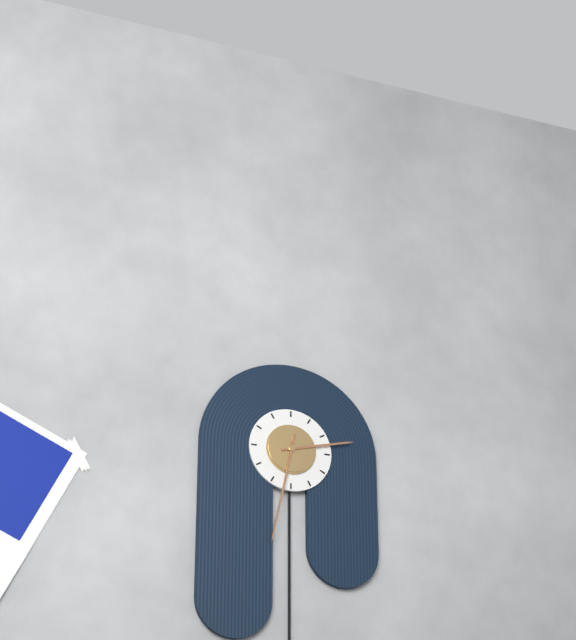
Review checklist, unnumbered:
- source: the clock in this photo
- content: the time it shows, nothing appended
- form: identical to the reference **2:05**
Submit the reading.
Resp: **2:32**
